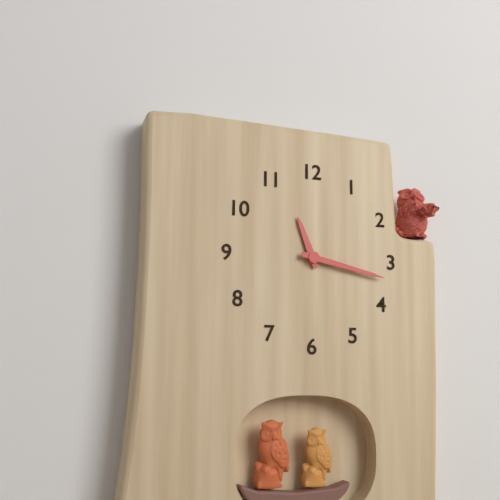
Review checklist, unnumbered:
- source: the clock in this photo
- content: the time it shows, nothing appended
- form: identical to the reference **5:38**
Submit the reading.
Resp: **11:17**
